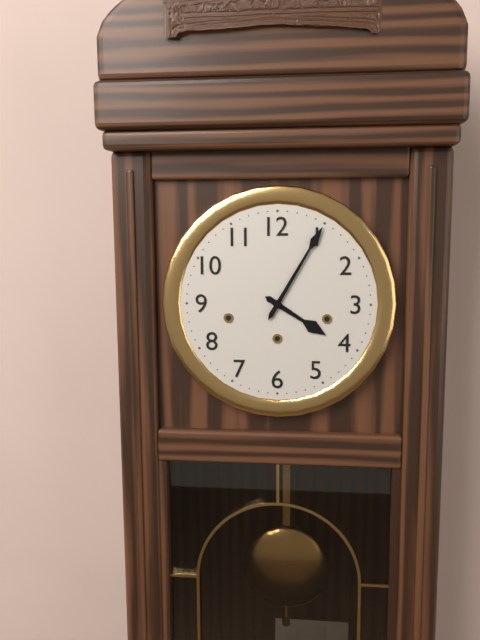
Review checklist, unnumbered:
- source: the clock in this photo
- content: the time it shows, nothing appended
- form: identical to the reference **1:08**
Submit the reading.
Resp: **4:05**
